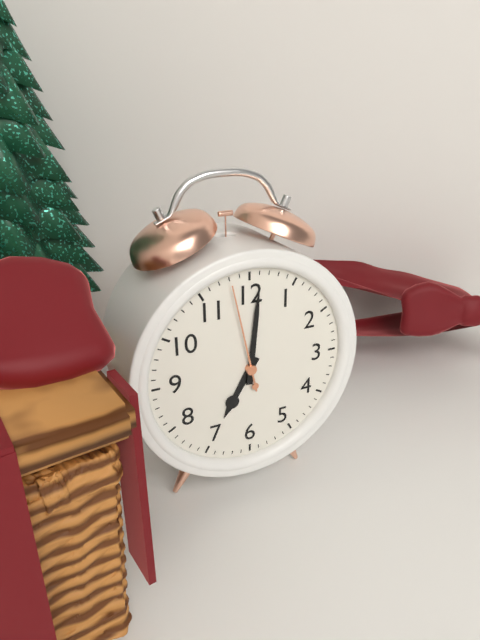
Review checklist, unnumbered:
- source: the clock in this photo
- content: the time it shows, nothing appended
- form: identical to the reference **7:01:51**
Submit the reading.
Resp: **7:01:58**
